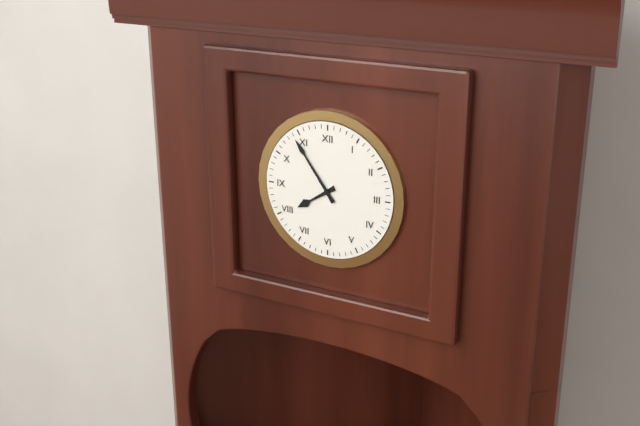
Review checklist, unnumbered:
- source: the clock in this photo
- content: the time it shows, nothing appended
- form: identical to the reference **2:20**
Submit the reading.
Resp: **7:54**
